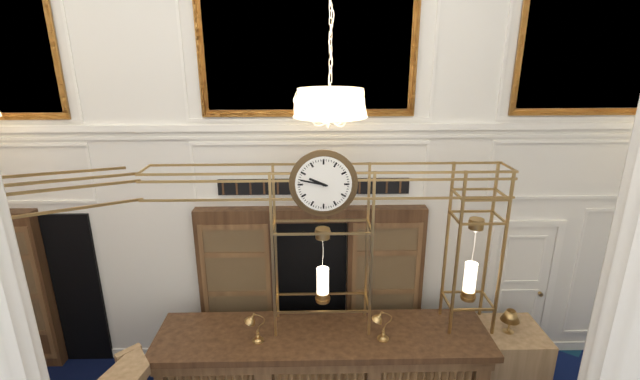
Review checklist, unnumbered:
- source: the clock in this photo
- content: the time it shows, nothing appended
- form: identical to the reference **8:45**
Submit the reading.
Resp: **9:47**
